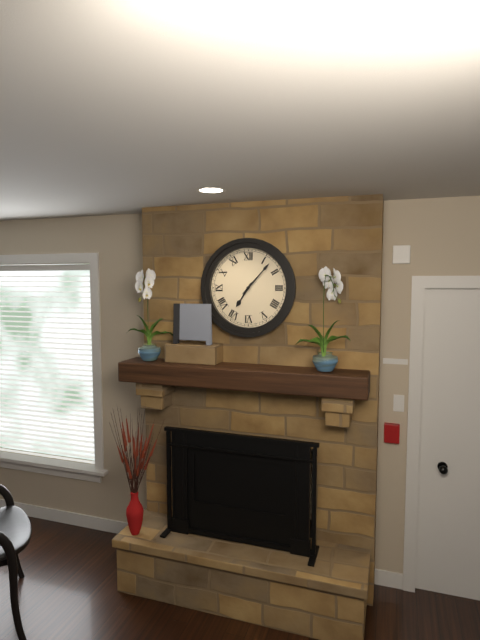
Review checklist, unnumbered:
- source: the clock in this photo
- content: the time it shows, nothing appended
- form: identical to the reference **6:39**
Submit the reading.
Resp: **7:07**
